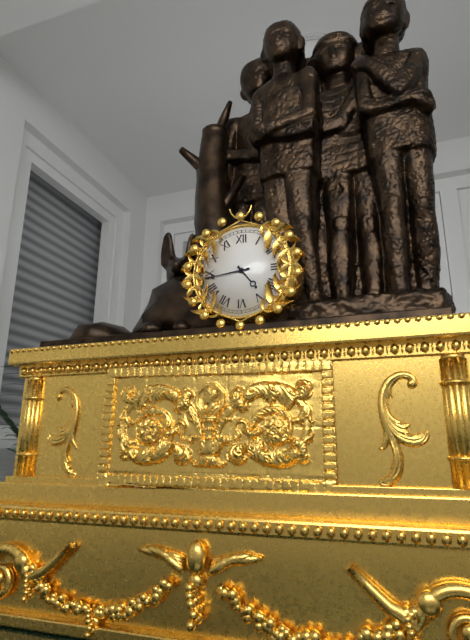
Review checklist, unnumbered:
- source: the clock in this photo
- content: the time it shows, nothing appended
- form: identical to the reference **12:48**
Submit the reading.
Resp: **4:44**
